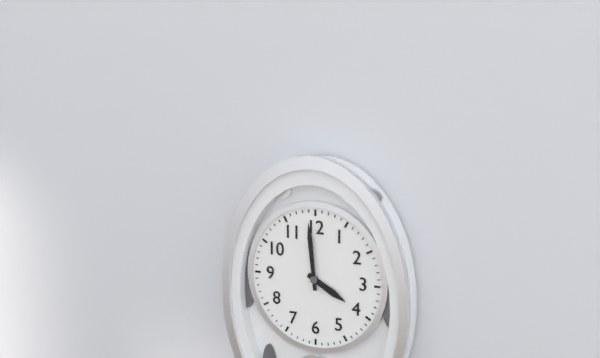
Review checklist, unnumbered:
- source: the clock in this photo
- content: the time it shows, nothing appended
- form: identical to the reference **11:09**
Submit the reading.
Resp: **3:59**
